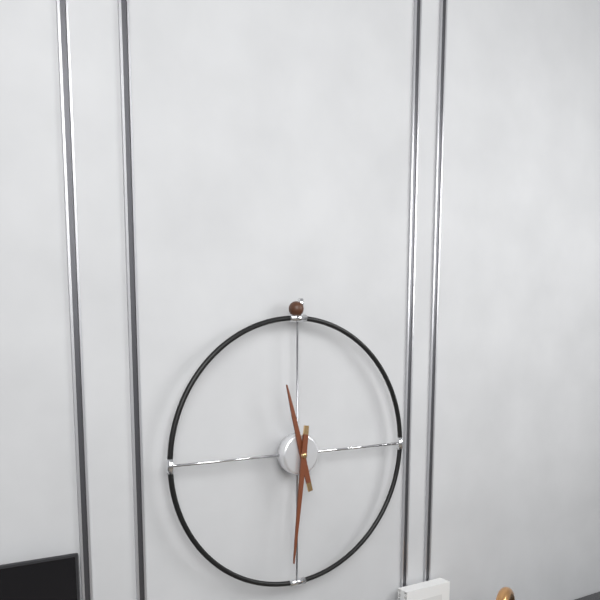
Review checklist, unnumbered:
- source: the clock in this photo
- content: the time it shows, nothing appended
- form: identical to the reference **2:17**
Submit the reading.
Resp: **11:31**
